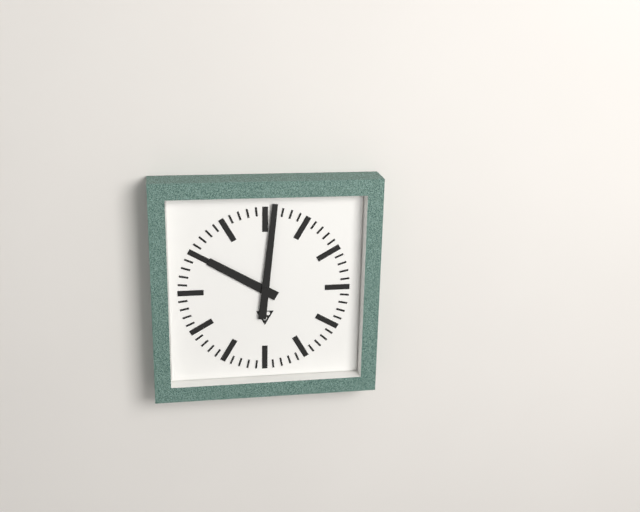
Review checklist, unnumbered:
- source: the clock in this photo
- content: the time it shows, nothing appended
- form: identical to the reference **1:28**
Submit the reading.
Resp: **10:01**
